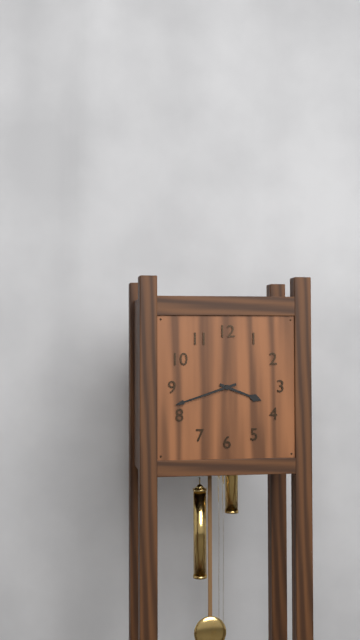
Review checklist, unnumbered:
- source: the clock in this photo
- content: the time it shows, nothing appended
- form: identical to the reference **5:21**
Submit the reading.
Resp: **3:42**
